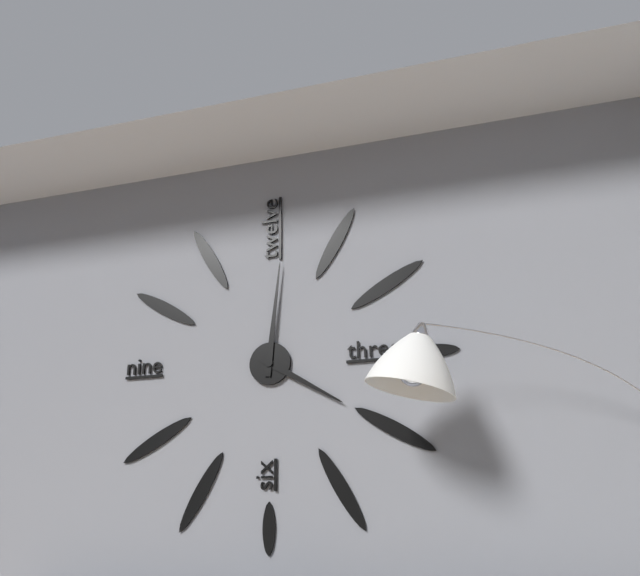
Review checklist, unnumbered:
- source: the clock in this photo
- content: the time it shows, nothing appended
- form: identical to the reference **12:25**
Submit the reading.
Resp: **4:01**
